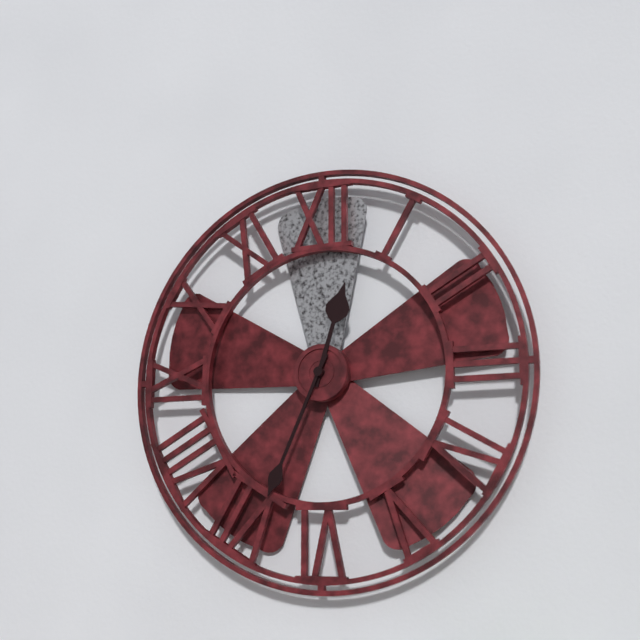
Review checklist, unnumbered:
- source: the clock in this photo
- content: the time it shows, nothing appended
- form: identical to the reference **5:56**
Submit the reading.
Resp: **12:34**
